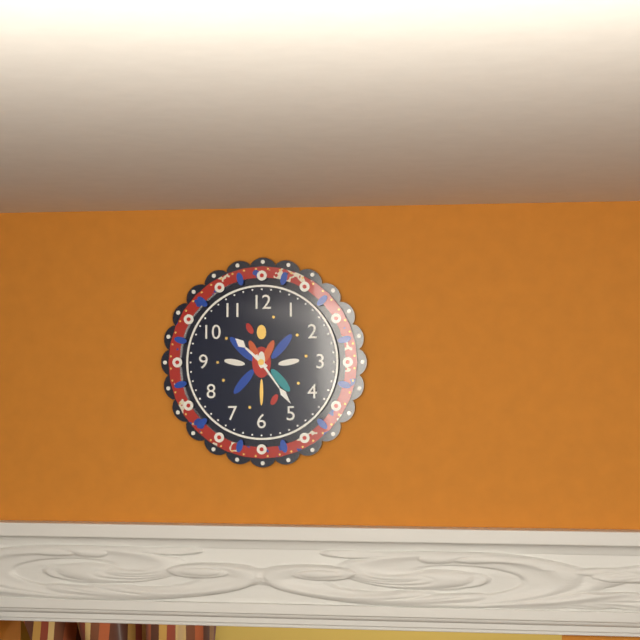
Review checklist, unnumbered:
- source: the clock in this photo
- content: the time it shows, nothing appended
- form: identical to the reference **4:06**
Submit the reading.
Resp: **10:24**
